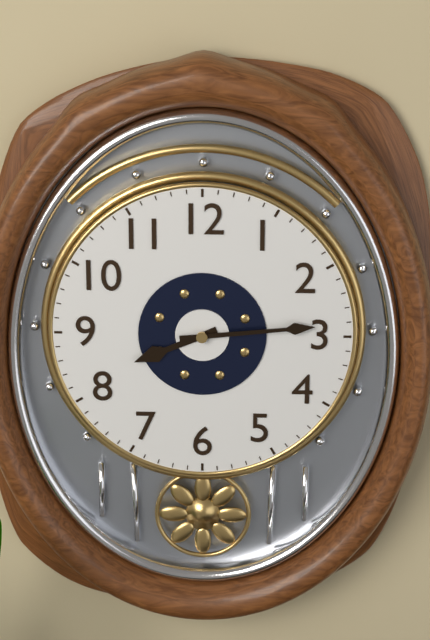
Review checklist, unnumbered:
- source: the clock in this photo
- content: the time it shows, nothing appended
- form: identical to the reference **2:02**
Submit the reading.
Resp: **8:14**
